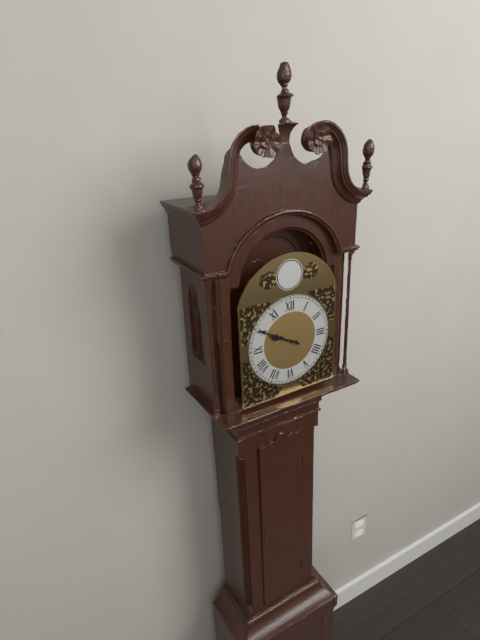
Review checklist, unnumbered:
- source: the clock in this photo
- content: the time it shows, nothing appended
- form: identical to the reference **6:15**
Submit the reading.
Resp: **9:50**
